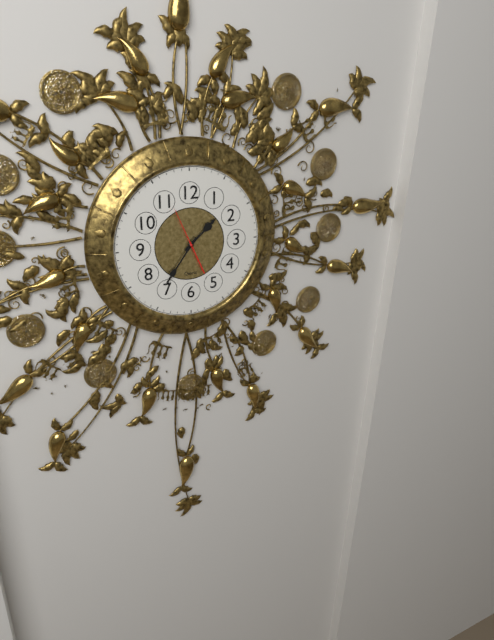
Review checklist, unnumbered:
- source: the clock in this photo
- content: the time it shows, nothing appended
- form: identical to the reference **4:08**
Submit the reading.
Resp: **1:36**
